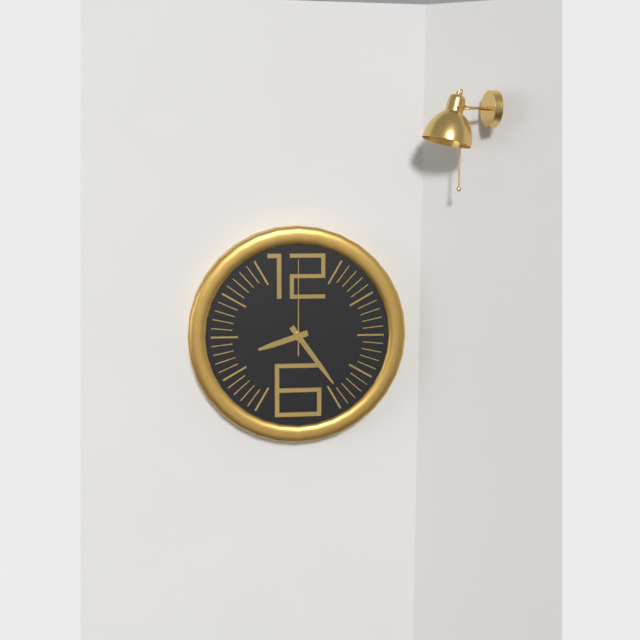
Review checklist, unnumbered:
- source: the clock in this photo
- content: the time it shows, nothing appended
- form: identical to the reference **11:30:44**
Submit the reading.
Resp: **8:24:00**
